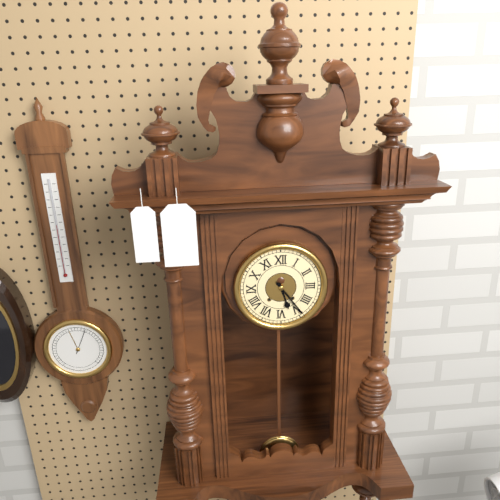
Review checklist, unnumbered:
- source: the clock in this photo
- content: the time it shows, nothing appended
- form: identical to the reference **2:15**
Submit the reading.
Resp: **5:24**
